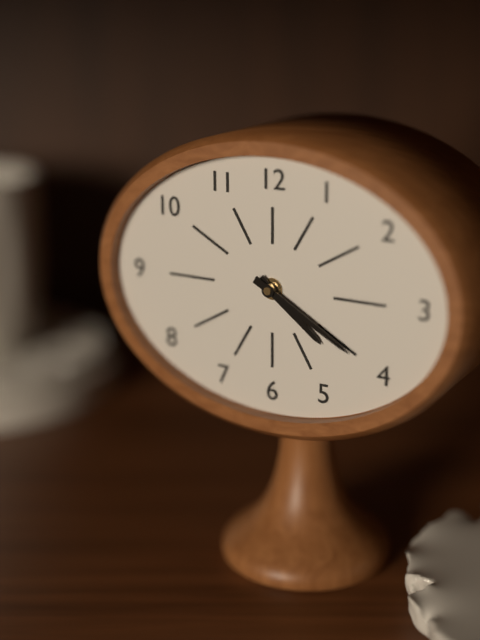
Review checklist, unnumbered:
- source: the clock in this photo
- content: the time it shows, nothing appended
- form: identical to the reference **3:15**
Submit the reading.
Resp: **4:20**
